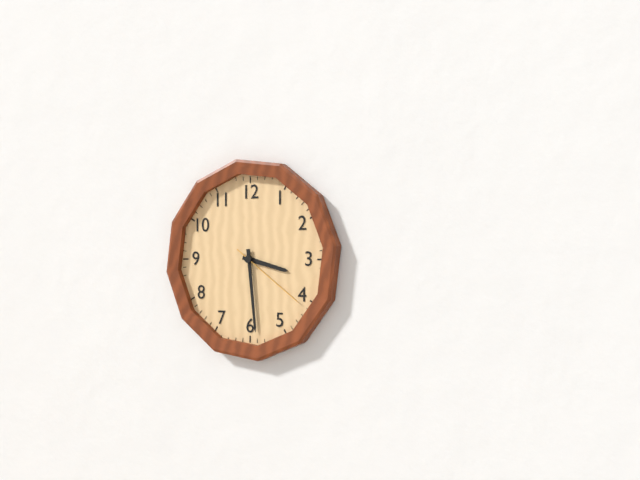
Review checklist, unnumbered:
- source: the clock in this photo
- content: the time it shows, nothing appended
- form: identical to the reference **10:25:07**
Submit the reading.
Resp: **3:29:21**
